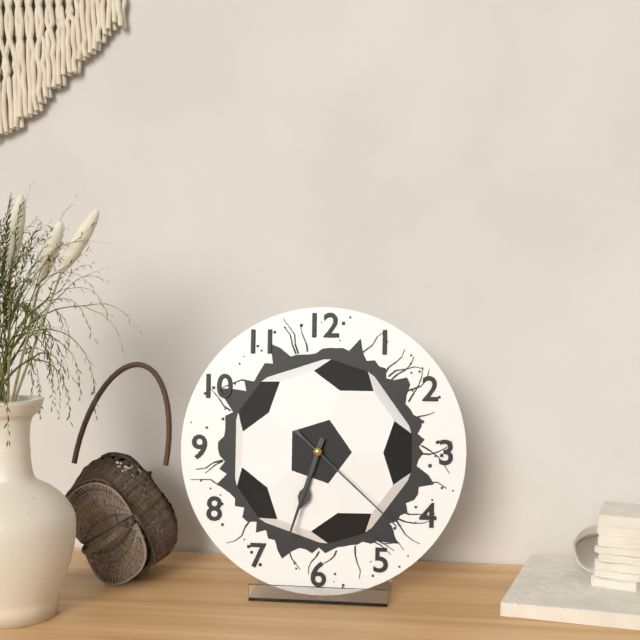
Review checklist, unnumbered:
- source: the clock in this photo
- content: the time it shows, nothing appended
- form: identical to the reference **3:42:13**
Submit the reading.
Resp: **6:33:22**
